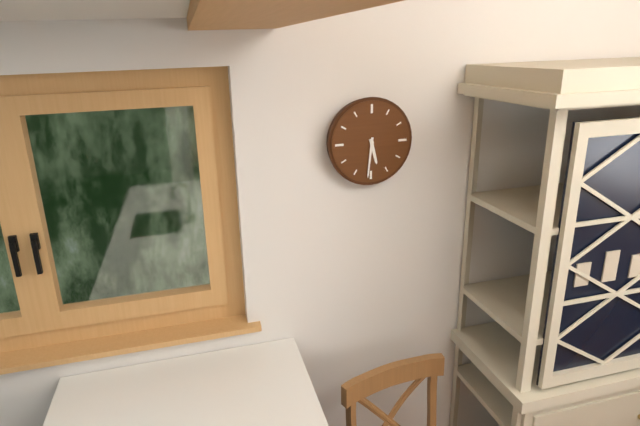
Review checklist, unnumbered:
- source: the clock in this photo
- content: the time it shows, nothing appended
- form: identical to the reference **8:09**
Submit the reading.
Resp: **5:31**
